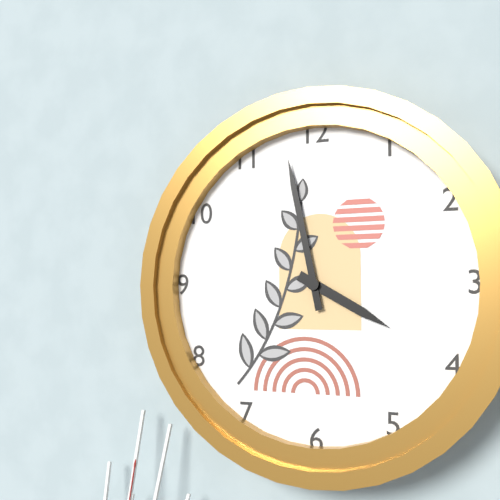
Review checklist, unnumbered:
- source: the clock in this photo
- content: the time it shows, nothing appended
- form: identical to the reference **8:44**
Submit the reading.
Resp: **3:58**
